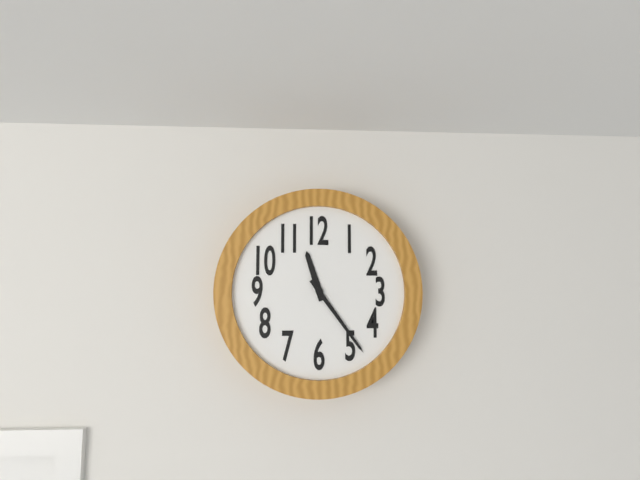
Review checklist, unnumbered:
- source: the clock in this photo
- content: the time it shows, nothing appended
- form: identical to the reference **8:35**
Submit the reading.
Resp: **11:24**
